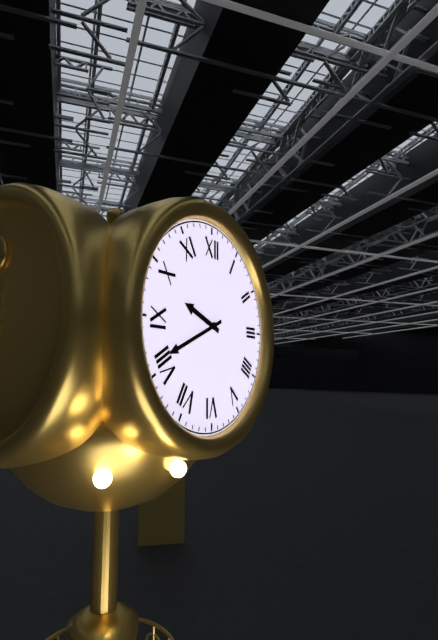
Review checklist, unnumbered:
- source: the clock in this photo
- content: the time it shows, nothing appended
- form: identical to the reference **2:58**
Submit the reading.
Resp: **9:41**
